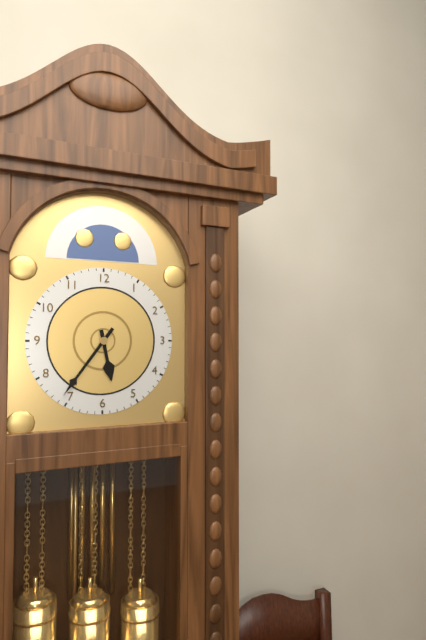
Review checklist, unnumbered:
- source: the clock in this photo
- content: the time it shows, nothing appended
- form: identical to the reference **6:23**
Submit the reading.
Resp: **5:36**
